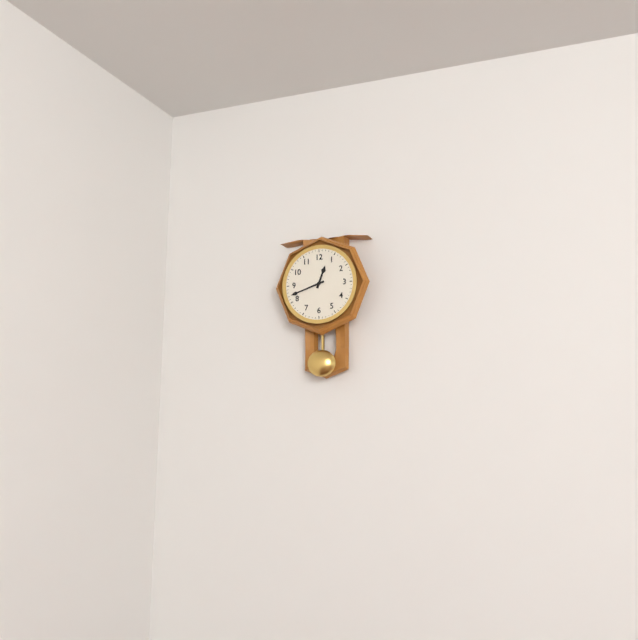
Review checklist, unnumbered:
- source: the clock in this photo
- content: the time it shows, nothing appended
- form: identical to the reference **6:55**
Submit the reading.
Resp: **12:42**
